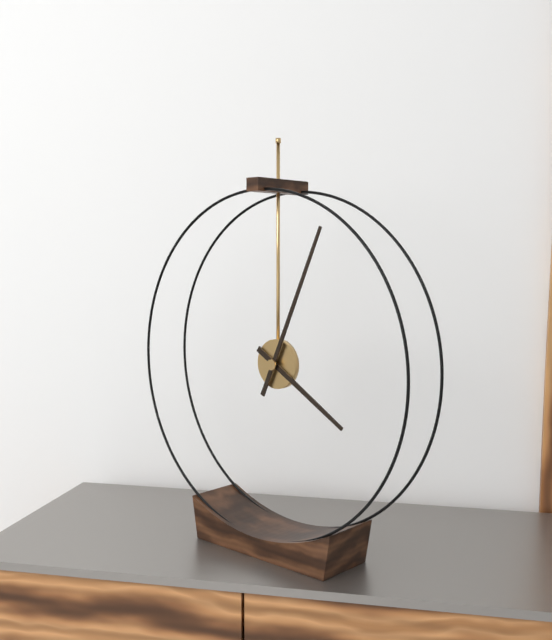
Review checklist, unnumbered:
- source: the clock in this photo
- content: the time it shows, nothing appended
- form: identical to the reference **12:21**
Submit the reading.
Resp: **4:04**
